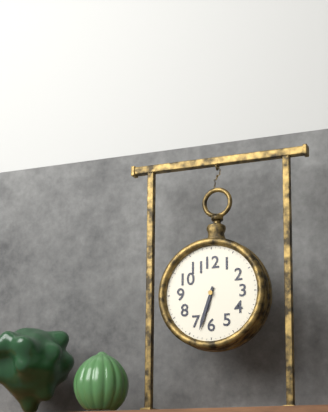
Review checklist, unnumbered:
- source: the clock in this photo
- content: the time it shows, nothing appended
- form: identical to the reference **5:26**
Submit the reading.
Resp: **6:33**
